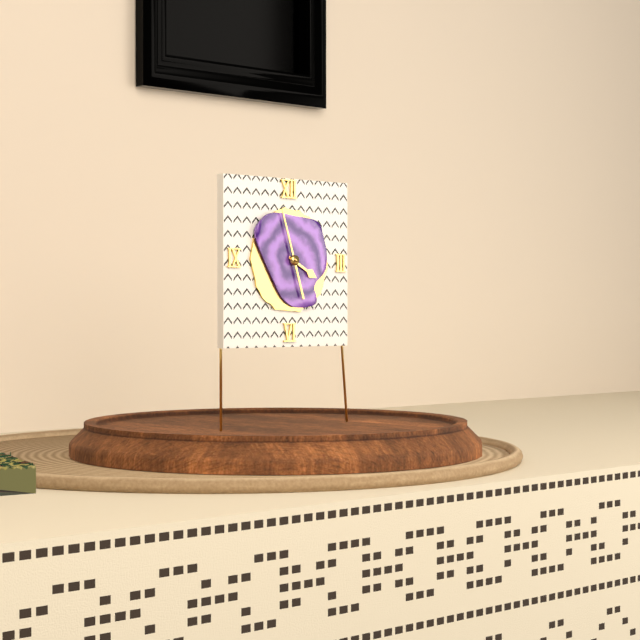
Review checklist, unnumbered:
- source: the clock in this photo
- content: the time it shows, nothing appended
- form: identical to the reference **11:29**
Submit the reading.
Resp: **3:57**
